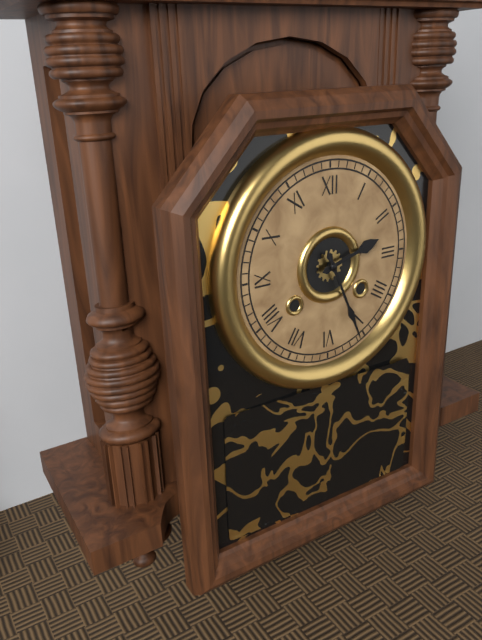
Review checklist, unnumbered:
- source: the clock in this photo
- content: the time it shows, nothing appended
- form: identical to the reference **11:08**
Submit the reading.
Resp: **2:26**
